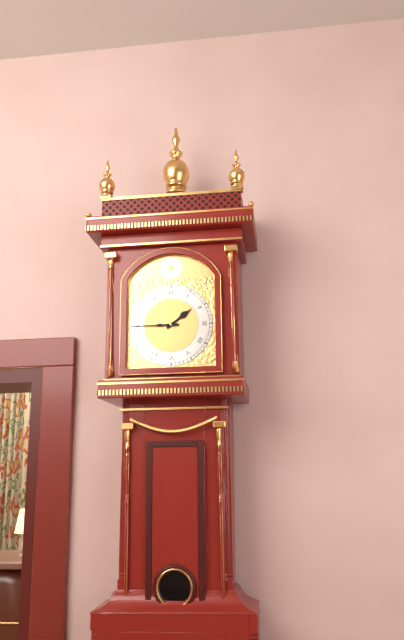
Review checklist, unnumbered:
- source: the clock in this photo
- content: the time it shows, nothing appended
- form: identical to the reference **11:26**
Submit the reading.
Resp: **1:45**
